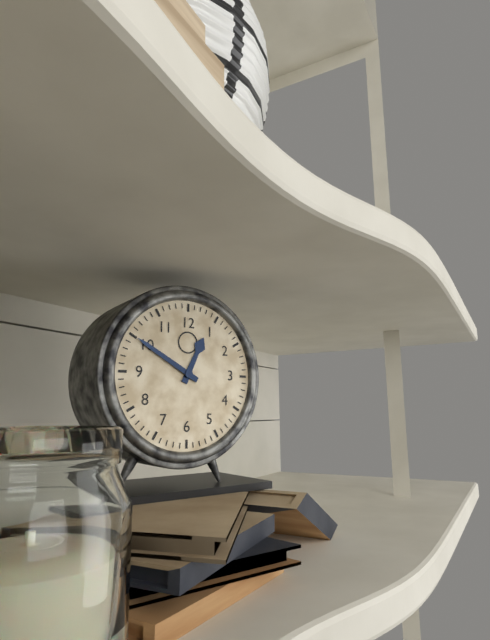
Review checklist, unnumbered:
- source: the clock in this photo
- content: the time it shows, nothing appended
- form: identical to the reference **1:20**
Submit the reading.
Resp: **12:50**
